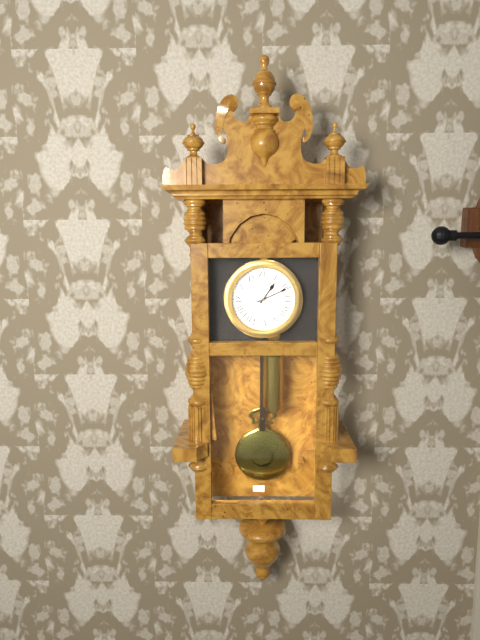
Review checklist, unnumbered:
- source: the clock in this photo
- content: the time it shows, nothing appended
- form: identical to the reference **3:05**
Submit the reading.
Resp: **1:11**
